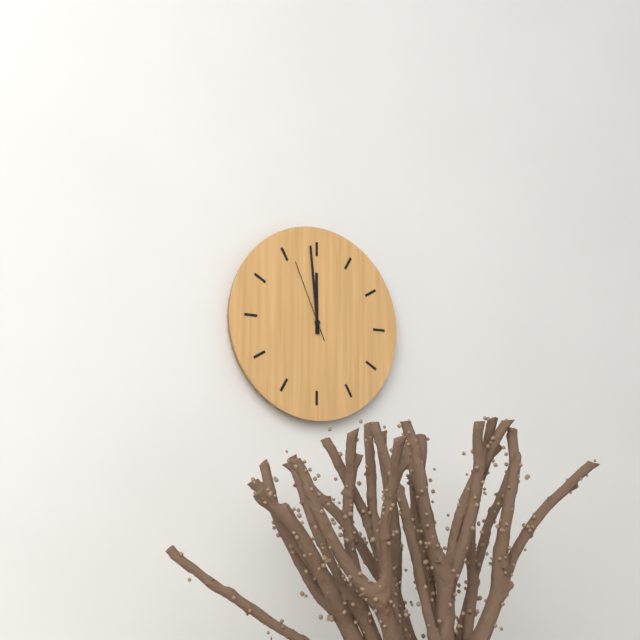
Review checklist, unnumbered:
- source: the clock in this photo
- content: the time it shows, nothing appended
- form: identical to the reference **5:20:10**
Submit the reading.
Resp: **11:59:56**
